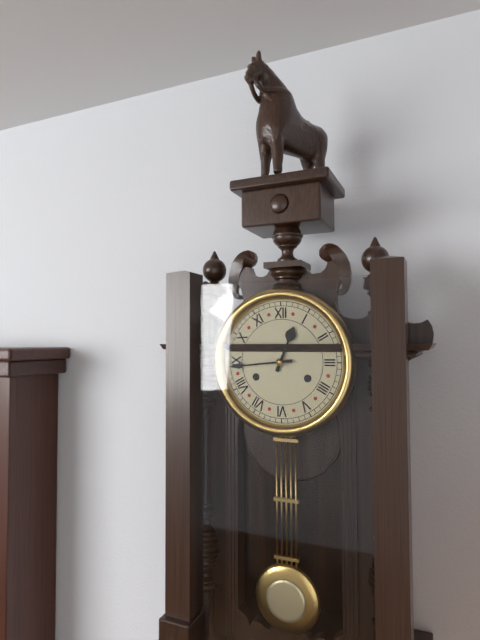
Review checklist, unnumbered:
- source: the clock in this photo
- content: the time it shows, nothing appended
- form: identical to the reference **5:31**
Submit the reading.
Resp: **12:44**
